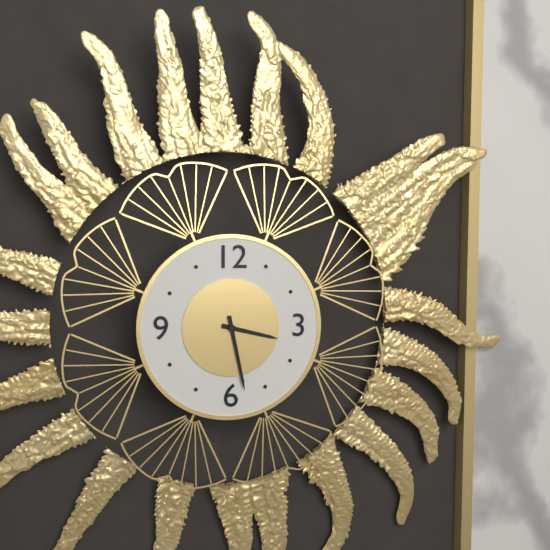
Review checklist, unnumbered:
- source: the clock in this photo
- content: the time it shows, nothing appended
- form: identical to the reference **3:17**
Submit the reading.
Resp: **3:28**
